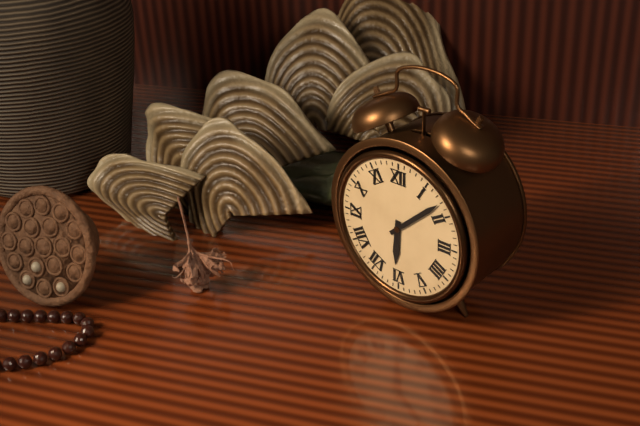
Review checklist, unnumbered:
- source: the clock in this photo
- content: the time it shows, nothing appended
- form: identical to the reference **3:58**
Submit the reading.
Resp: **6:08**
